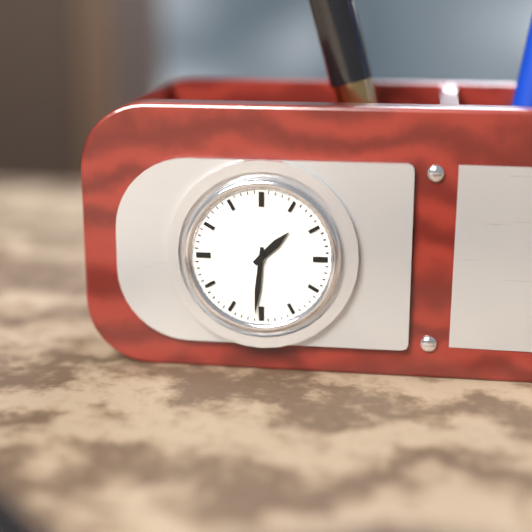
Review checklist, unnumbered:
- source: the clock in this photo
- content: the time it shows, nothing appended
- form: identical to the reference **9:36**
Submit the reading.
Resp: **1:31**
